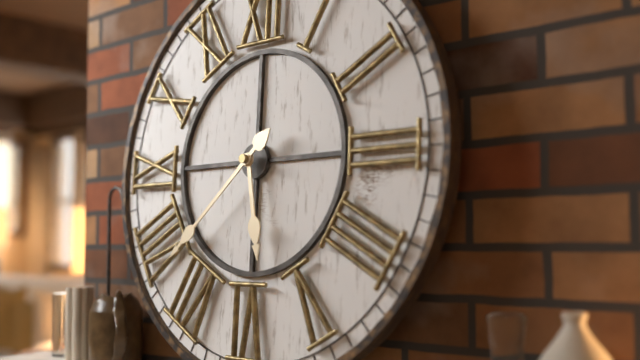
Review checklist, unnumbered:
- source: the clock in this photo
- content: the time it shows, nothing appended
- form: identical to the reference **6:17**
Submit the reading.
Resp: **5:38**
